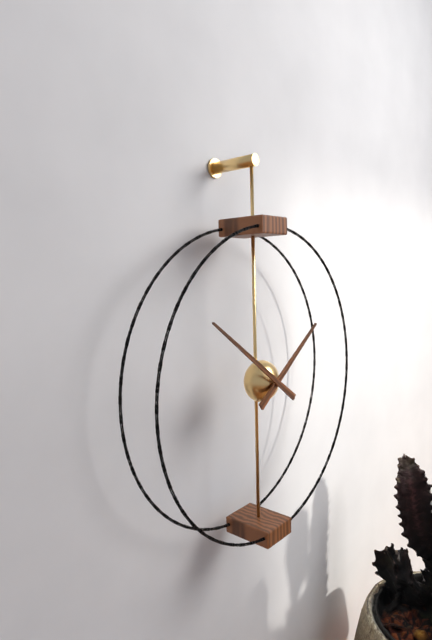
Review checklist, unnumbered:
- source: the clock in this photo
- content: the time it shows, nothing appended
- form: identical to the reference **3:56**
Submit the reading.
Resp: **1:51**
